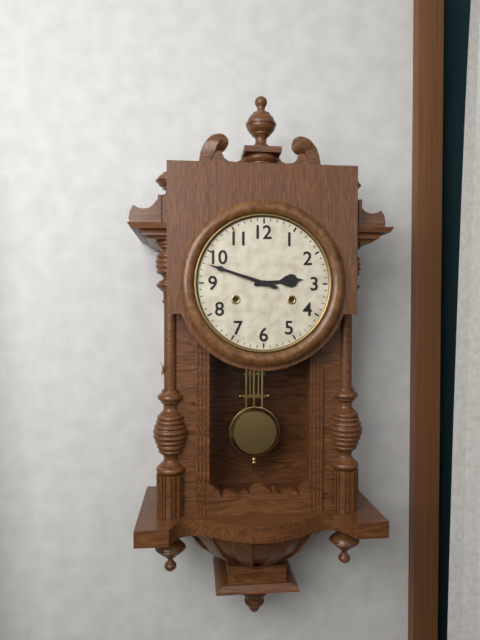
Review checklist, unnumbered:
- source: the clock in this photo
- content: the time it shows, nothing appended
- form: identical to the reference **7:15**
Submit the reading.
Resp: **2:48**
